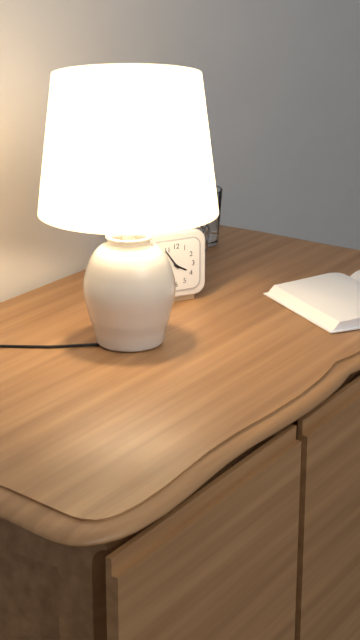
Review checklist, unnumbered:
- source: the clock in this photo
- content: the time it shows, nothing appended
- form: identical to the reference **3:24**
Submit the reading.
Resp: **3:54**
